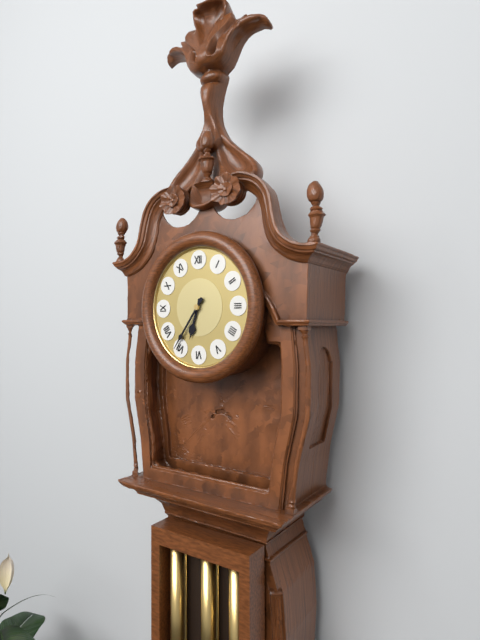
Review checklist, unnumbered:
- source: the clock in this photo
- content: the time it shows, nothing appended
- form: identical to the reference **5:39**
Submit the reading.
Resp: **6:36**
